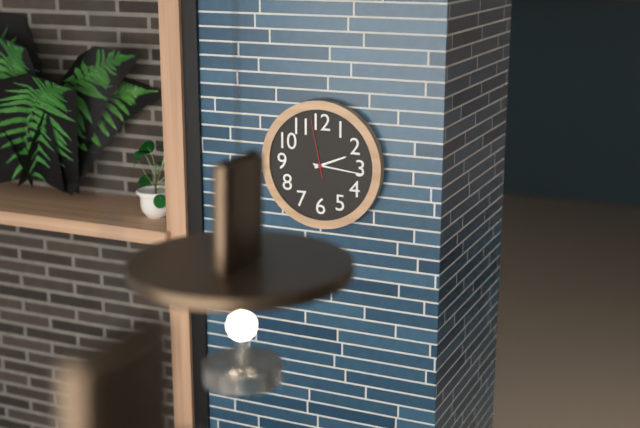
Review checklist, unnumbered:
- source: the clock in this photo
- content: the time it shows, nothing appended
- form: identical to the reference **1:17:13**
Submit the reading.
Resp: **2:16:58**
